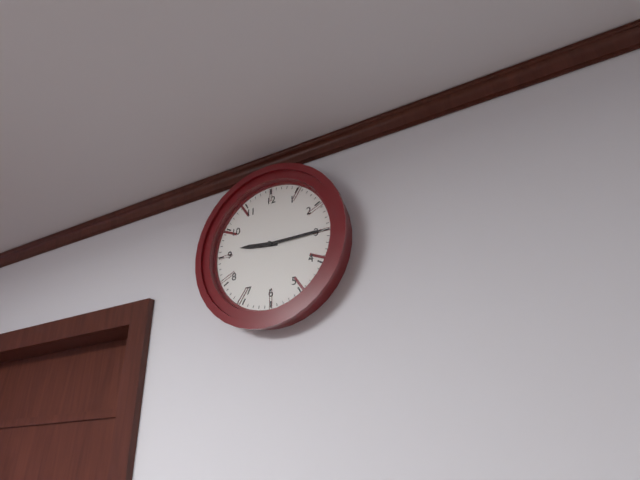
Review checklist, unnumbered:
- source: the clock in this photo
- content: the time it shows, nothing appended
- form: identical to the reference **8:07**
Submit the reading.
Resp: **9:15**
